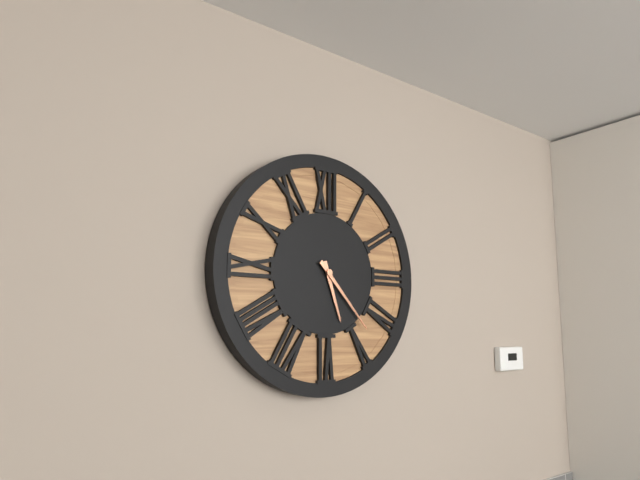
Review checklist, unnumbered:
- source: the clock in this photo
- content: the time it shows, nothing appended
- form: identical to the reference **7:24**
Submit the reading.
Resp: **5:23**
